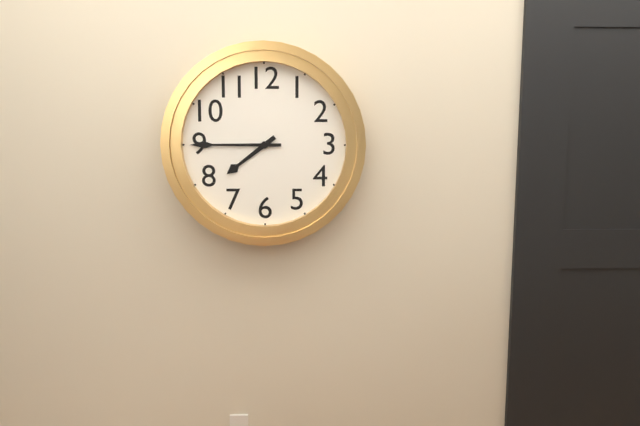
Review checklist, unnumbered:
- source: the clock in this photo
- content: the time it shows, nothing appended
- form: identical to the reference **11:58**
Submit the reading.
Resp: **7:45**
